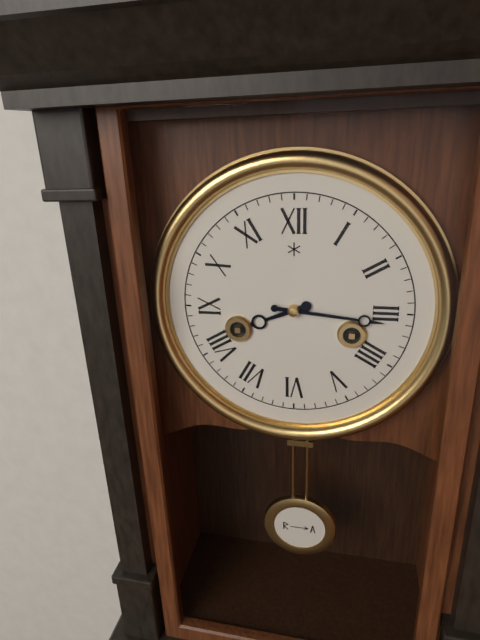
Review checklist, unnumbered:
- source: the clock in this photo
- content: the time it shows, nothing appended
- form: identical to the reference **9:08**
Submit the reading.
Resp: **8:16**
